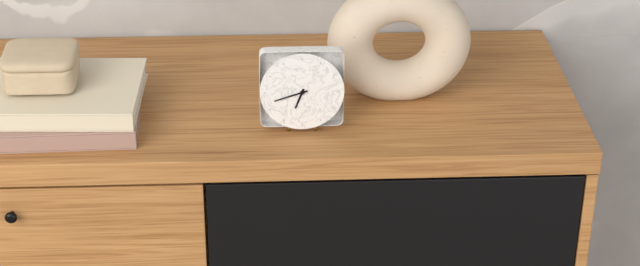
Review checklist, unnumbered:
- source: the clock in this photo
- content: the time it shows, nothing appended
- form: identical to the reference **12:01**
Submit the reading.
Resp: **6:42**
